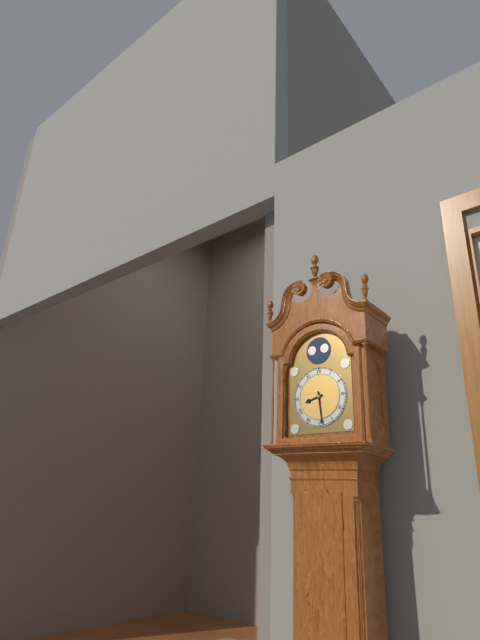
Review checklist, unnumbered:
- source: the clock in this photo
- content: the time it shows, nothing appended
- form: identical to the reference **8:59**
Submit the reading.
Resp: **8:29**
